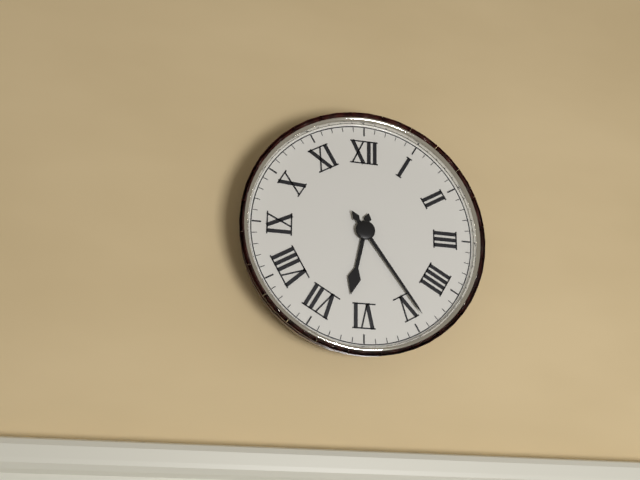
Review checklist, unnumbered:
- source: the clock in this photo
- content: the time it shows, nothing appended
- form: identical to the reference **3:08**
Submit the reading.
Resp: **6:24**
